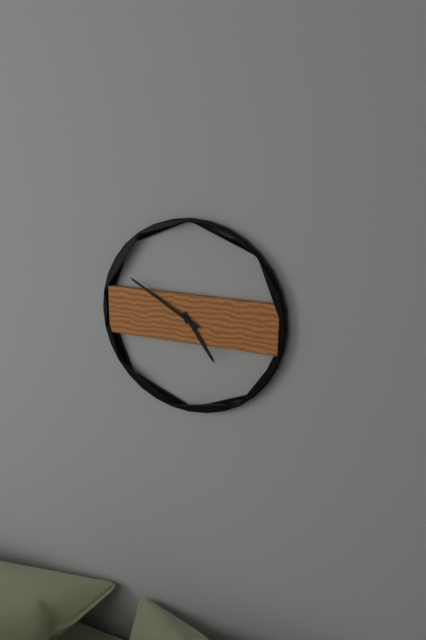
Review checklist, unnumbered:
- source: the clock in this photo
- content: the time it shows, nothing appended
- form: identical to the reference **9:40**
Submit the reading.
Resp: **4:50**
